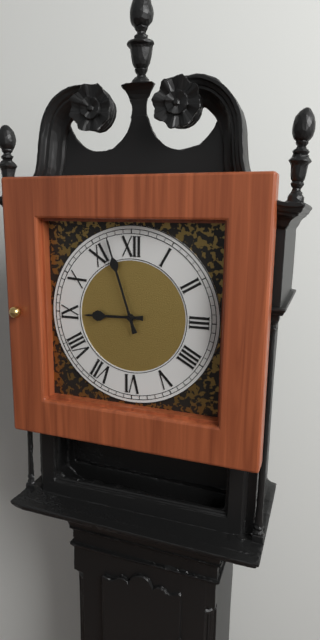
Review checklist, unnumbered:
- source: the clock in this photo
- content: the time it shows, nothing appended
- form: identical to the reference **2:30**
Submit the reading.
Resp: **8:57**
